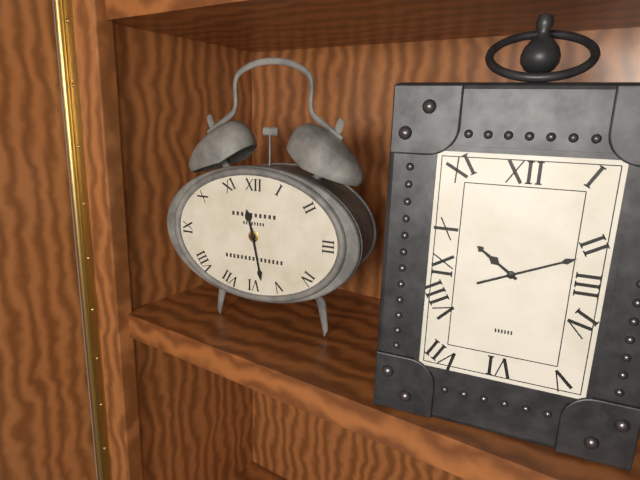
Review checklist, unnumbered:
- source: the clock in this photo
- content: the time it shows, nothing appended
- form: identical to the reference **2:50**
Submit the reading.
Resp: **11:28**
